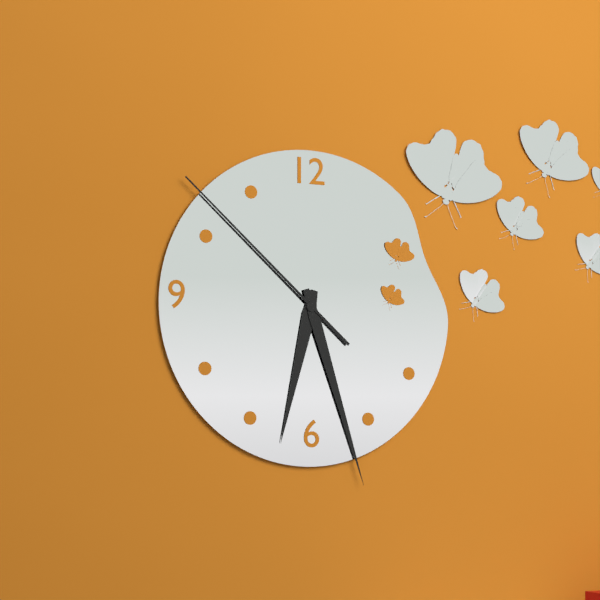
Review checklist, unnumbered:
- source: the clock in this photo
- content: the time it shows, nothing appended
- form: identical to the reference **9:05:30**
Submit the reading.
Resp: **6:27:52**
